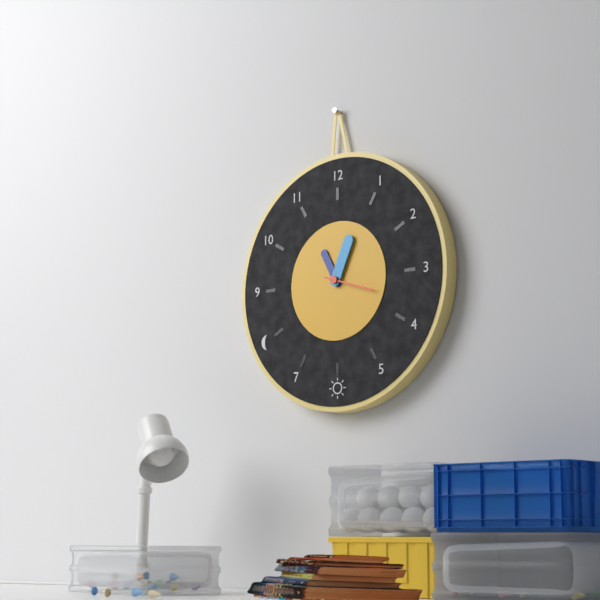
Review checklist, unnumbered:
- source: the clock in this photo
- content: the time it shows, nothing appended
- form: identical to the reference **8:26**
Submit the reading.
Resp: **11:04**
